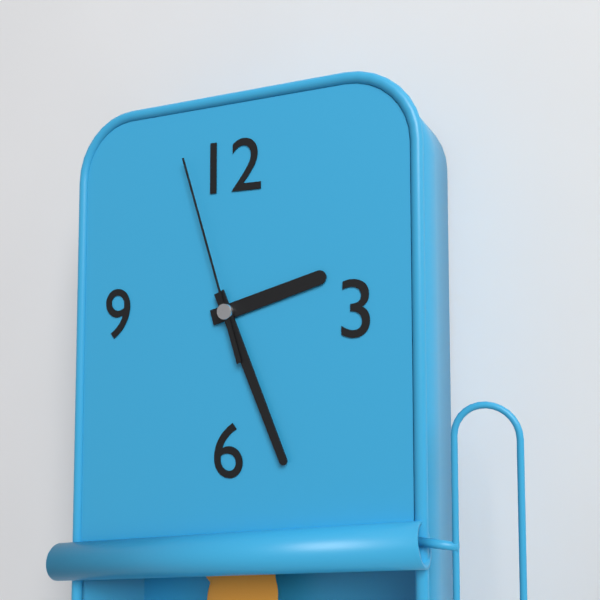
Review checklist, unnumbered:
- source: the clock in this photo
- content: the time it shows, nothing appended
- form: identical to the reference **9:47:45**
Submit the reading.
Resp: **2:26:57**
